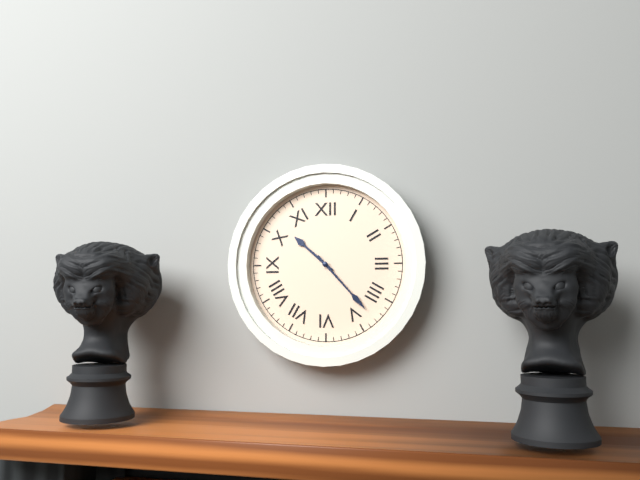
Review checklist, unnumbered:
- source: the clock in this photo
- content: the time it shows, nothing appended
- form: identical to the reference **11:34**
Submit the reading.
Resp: **10:23**
